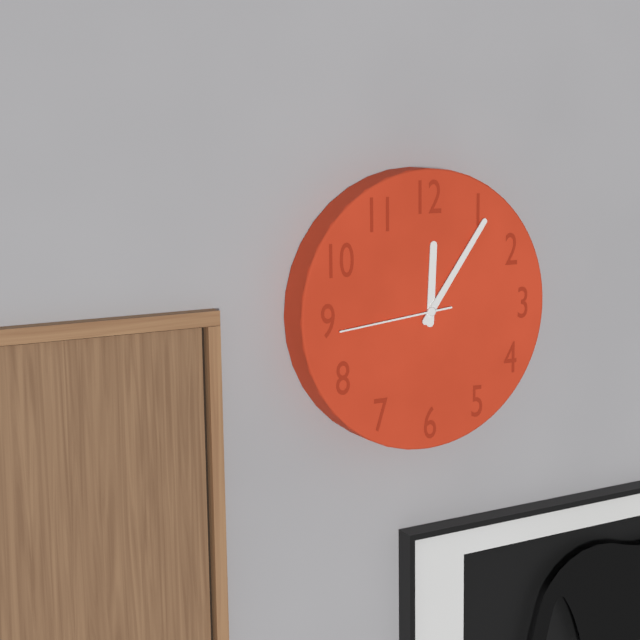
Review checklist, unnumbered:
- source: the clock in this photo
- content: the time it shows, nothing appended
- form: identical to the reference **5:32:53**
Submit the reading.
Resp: **12:06:44**
